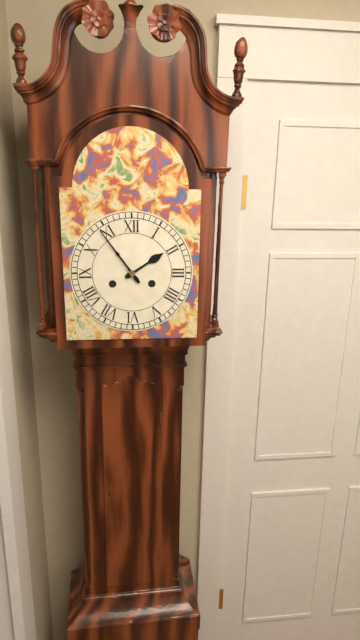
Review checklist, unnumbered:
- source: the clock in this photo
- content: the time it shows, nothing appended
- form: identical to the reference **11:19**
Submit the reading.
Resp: **1:54**
